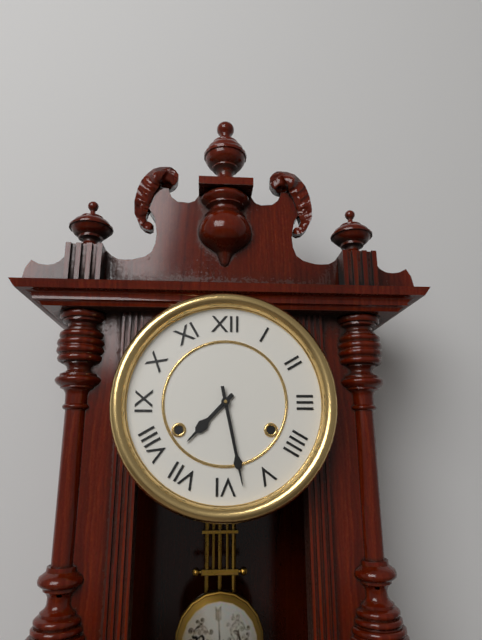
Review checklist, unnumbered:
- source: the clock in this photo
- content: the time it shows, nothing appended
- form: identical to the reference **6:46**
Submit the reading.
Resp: **7:28**
